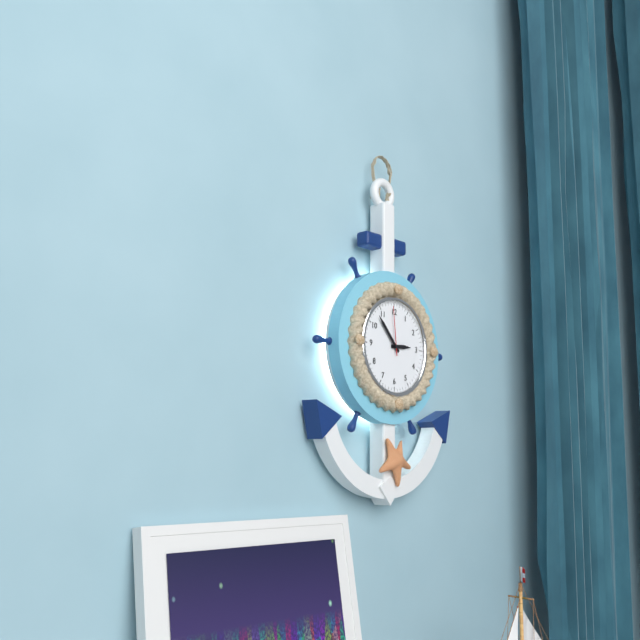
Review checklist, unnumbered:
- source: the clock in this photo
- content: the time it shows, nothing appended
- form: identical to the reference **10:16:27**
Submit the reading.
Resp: **2:53:59**
